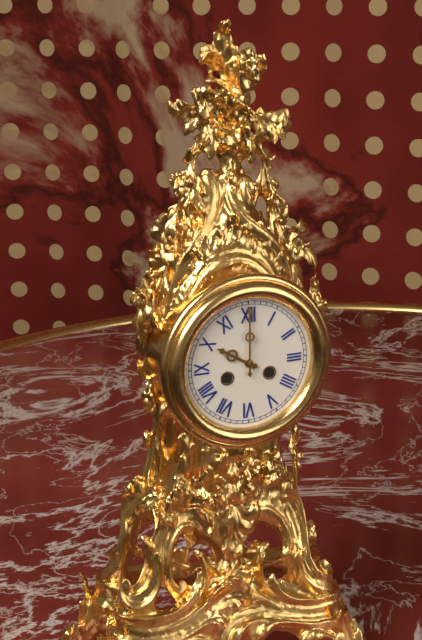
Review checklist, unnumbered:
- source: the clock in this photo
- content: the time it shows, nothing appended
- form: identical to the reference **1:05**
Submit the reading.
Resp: **10:00**
